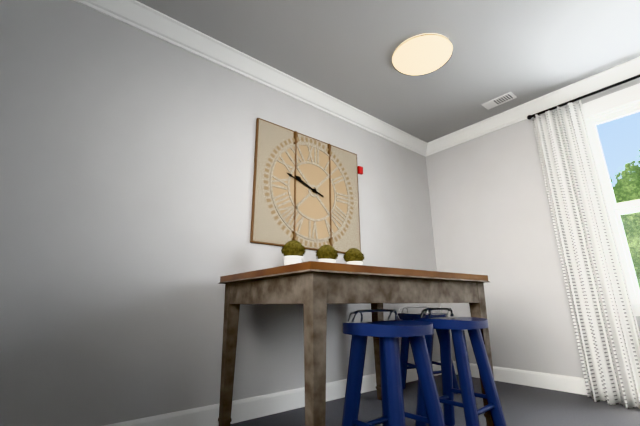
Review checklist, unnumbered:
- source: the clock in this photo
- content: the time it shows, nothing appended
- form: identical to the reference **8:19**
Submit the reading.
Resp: **9:48**
